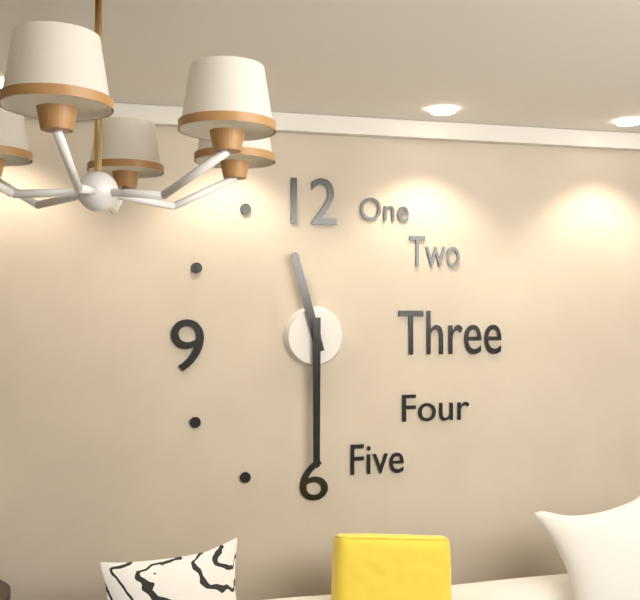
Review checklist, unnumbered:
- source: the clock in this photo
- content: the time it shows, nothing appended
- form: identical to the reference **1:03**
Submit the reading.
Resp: **11:30**
